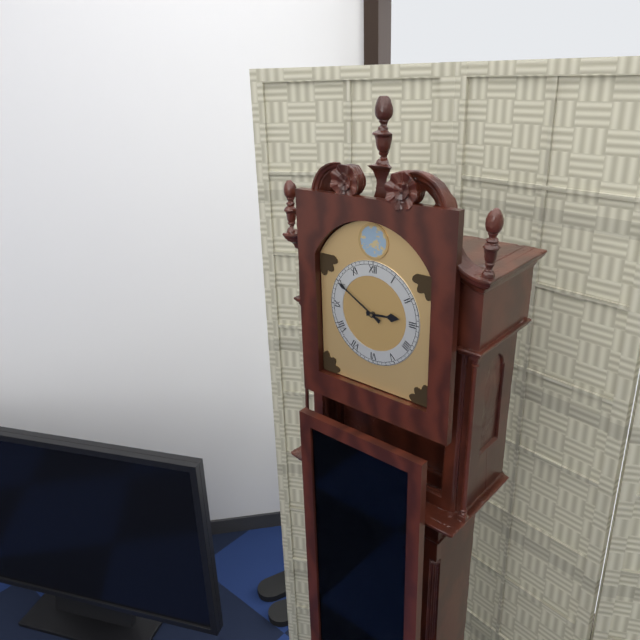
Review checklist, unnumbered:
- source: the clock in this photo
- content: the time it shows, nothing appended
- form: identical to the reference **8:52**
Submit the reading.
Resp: **2:50**
